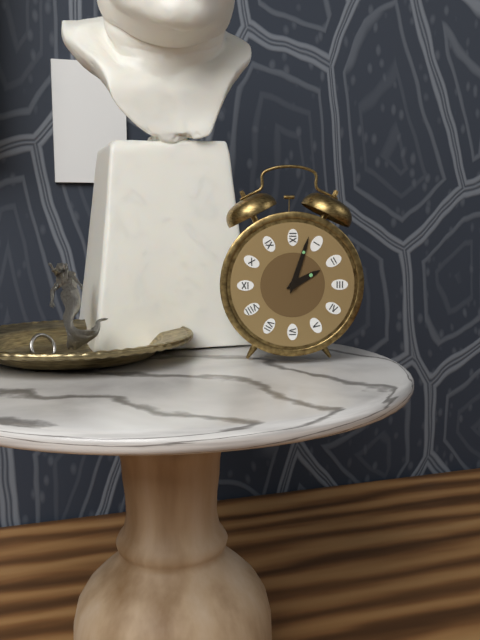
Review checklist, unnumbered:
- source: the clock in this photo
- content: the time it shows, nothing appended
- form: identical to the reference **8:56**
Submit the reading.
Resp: **2:03**
